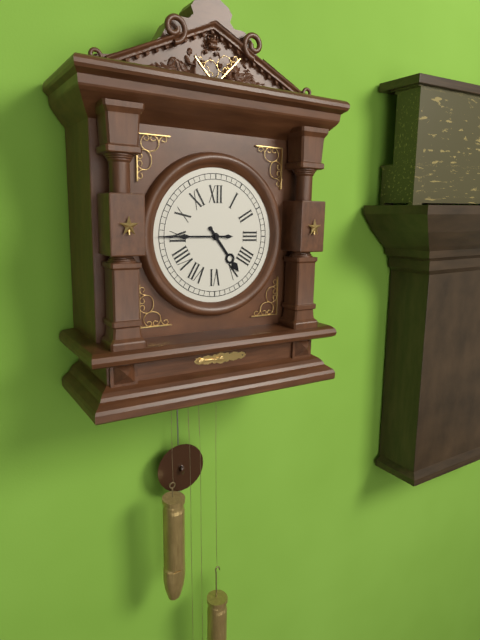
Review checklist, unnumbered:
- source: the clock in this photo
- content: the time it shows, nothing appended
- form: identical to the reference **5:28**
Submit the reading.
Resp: **4:45**
